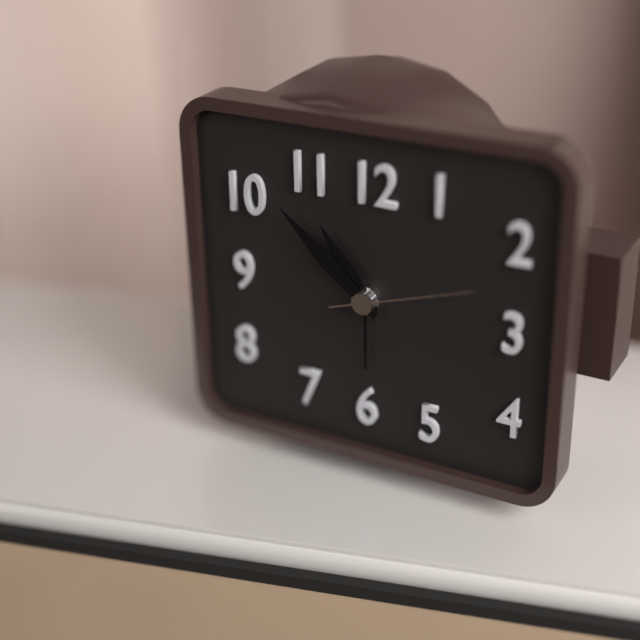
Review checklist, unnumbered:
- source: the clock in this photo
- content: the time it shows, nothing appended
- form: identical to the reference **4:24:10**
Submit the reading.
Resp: **10:52:12**
